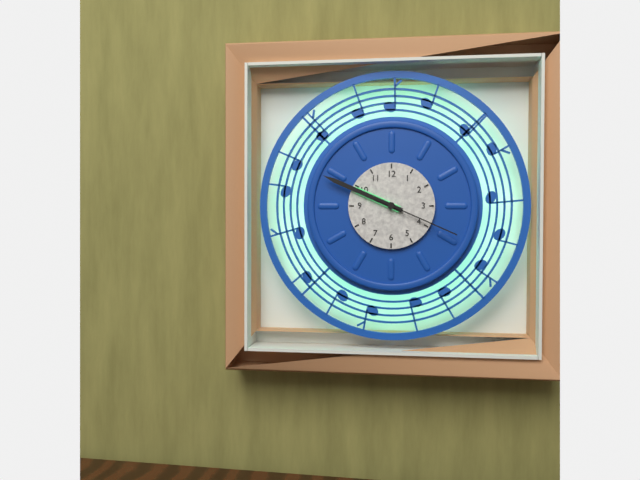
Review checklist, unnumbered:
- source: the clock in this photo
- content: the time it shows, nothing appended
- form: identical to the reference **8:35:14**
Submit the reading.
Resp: **9:49:19**
